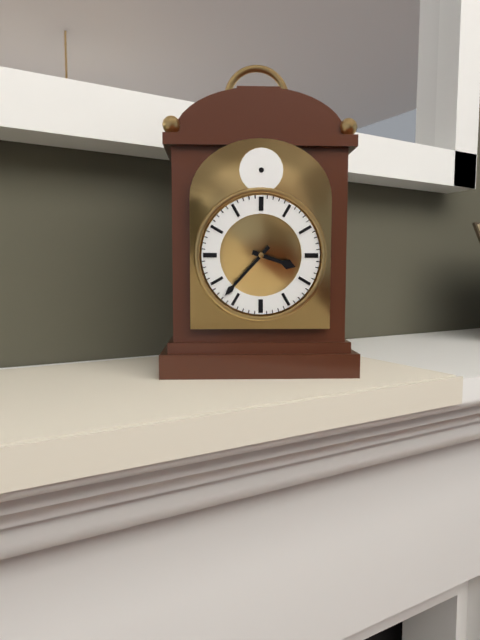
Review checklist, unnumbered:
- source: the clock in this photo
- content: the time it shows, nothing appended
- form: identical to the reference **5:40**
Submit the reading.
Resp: **3:37**
